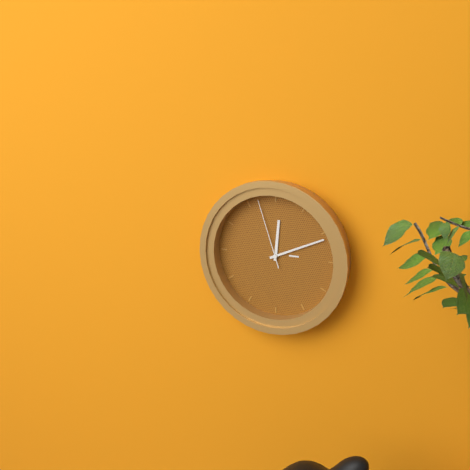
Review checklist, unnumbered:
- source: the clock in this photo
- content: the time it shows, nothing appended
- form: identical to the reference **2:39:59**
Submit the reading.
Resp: **12:11:57**
